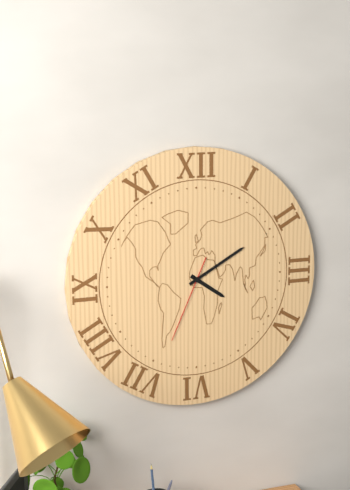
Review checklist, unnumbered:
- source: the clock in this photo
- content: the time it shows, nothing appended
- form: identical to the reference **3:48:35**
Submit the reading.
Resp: **4:10:34**
